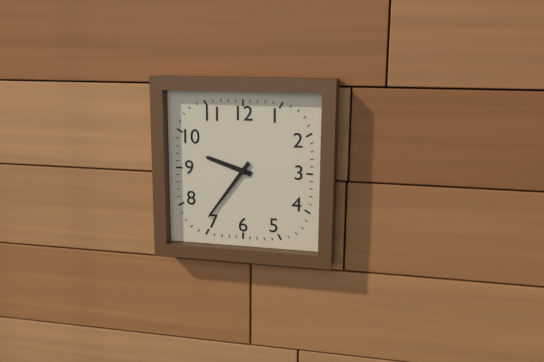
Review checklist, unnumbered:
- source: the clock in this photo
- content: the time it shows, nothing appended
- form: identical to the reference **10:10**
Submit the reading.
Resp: **9:36**
